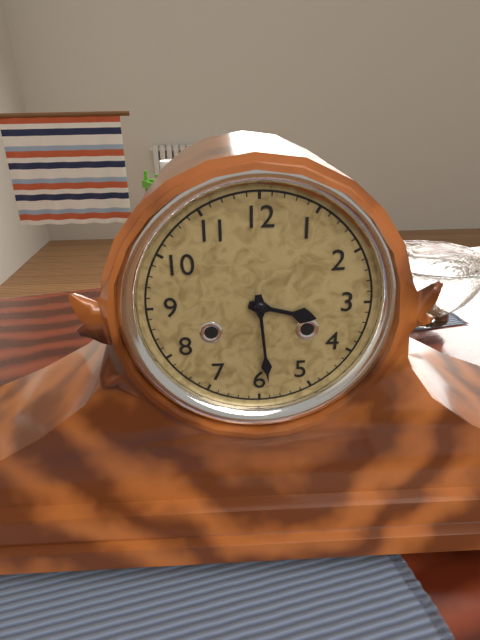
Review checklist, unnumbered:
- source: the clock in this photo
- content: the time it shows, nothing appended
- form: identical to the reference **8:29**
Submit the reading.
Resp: **3:29**
